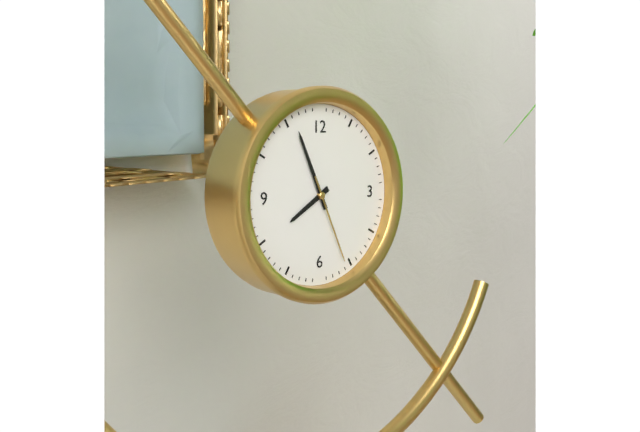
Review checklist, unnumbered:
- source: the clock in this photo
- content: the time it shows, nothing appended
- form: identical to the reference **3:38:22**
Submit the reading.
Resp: **7:56:26**
